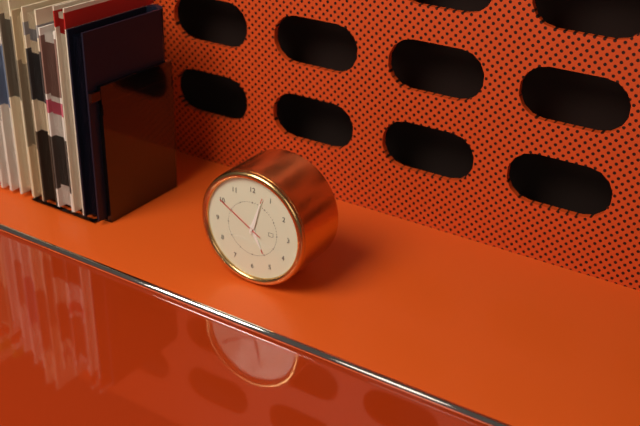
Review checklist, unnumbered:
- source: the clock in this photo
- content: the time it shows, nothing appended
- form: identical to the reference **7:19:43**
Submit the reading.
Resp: **5:03:50**
